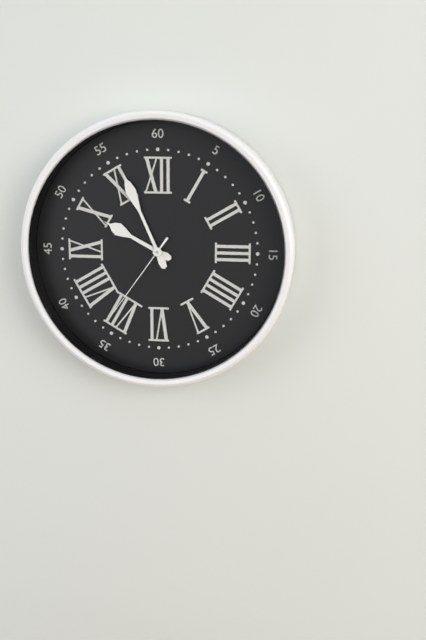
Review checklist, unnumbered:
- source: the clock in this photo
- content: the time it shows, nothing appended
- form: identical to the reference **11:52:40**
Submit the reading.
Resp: **9:56:36**
